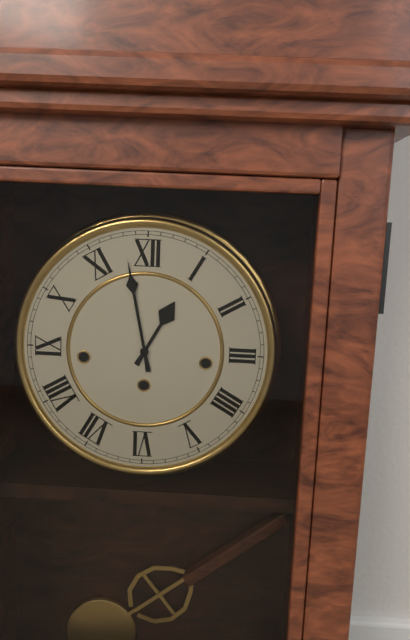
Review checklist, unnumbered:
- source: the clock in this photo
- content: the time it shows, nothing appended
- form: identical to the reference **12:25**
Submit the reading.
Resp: **12:58**
